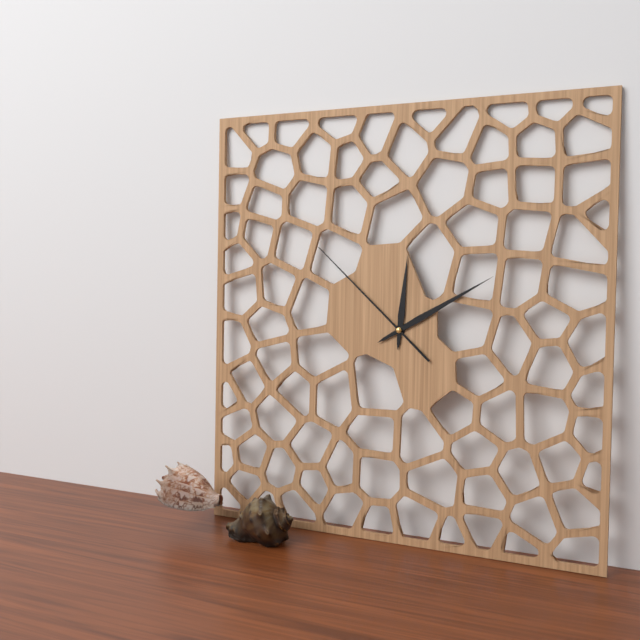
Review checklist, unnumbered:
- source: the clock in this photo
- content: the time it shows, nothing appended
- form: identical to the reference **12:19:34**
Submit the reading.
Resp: **12:10:52**
